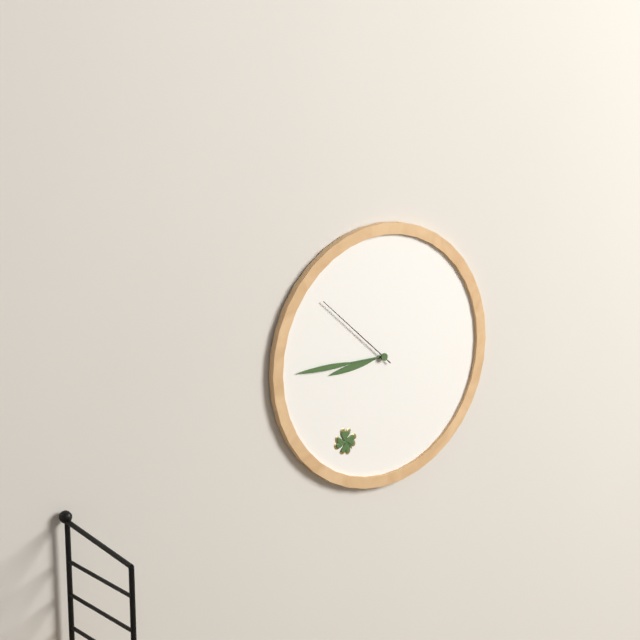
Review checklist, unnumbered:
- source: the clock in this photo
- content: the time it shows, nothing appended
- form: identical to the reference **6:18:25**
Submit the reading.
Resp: **8:45:52**
